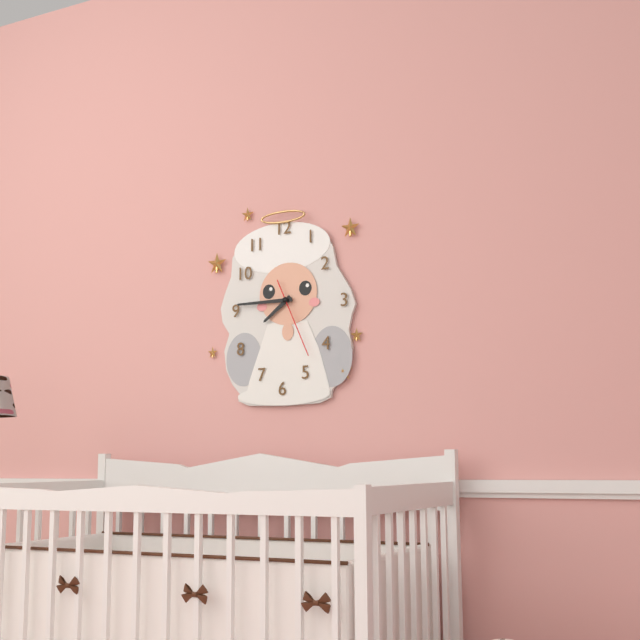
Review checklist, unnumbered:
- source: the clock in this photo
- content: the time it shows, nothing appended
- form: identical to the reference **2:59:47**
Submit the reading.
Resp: **7:45:26**
